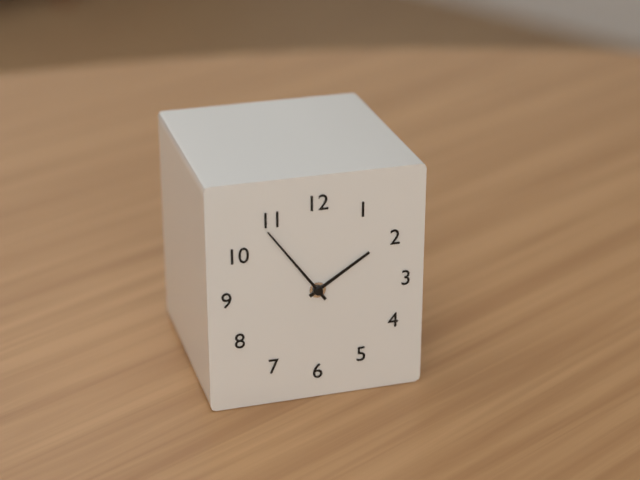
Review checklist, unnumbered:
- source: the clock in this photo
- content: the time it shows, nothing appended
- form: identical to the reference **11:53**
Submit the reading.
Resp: **1:54**
